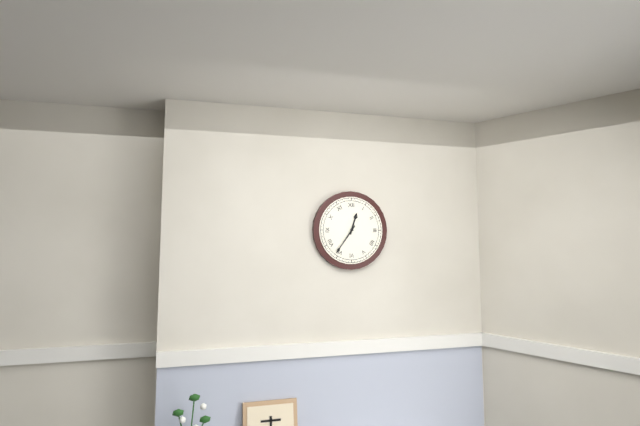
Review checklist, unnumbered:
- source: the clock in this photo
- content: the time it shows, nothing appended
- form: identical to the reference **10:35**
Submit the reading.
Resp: **12:36**
